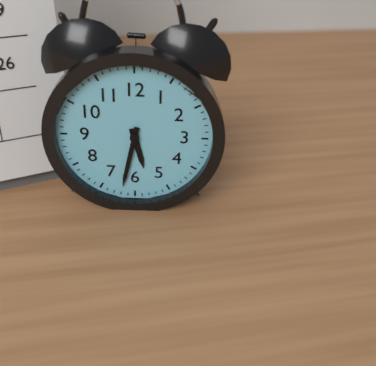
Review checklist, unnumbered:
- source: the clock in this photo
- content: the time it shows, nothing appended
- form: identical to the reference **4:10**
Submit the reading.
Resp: **5:32**
